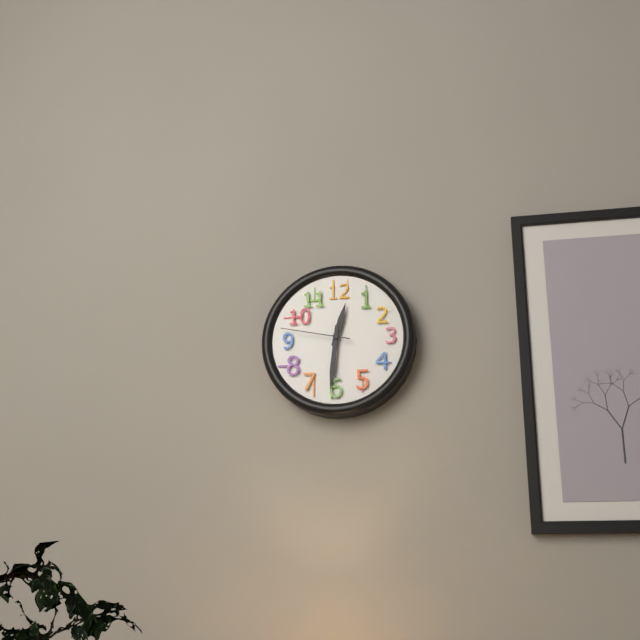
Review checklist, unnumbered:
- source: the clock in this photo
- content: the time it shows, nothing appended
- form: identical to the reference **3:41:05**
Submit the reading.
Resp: **12:31:47**
